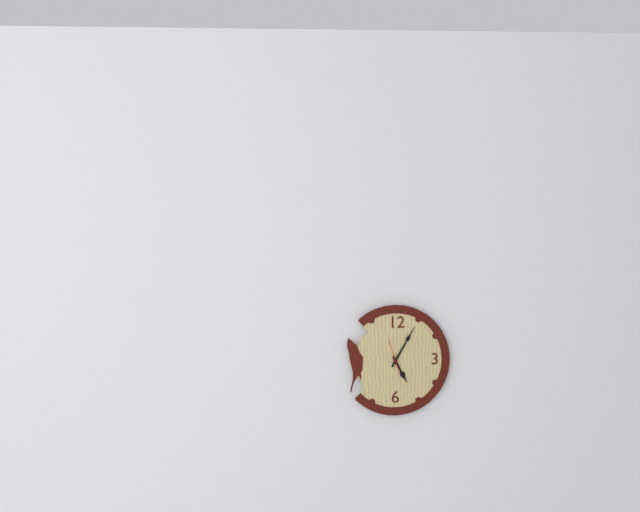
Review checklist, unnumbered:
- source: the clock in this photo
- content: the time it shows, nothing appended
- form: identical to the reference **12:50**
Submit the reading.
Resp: **5:05**
